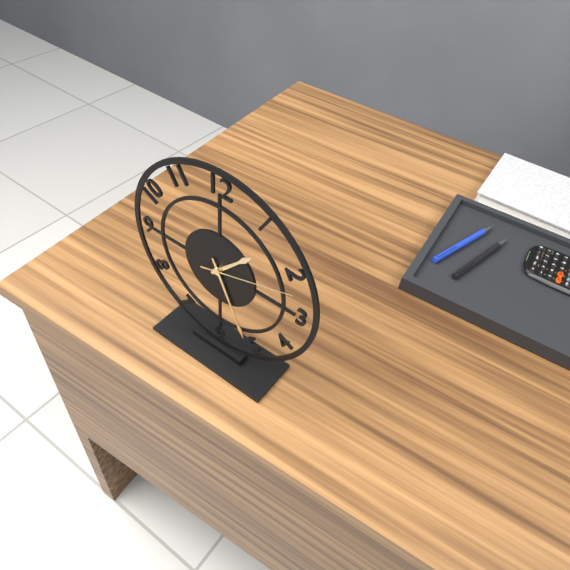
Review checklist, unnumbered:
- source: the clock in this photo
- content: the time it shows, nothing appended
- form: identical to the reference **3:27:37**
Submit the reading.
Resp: **1:26:12**
